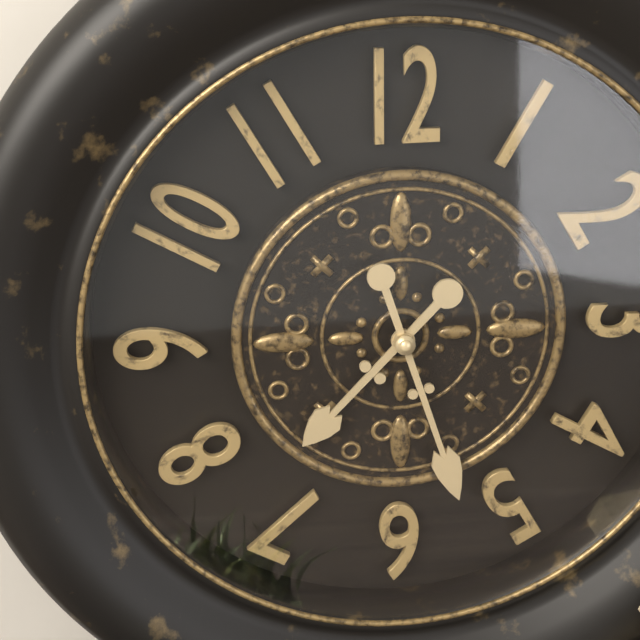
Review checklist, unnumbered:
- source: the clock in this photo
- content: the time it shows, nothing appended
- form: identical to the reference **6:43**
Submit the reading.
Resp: **7:27**
